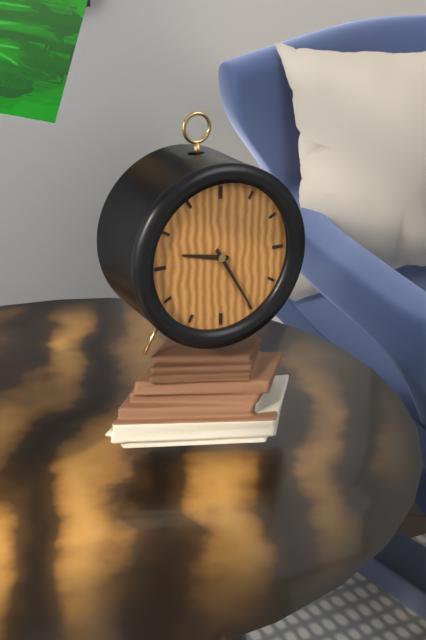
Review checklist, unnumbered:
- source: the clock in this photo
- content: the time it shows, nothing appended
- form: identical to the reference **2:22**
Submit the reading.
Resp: **9:25**
